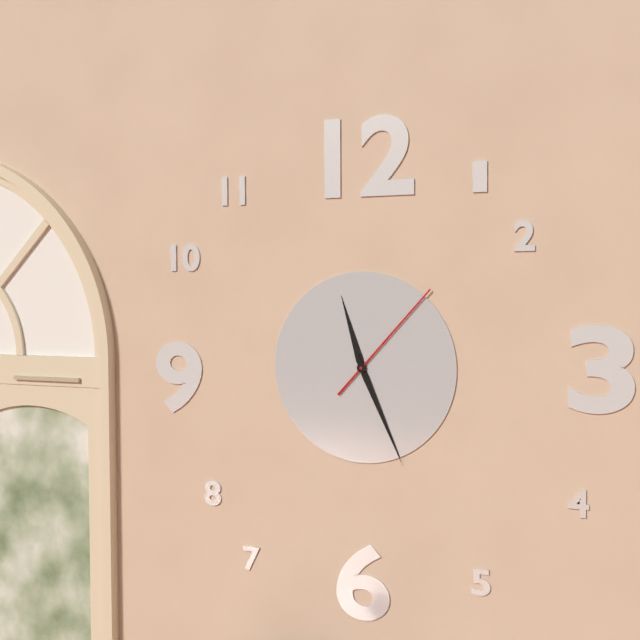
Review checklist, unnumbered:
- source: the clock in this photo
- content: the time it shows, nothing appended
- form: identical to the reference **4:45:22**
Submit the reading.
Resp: **11:26:07**
